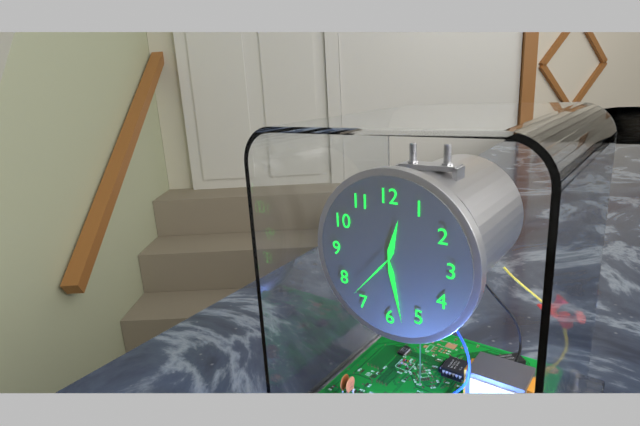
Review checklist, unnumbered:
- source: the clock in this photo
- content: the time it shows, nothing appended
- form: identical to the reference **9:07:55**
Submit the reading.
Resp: **12:28:37**
